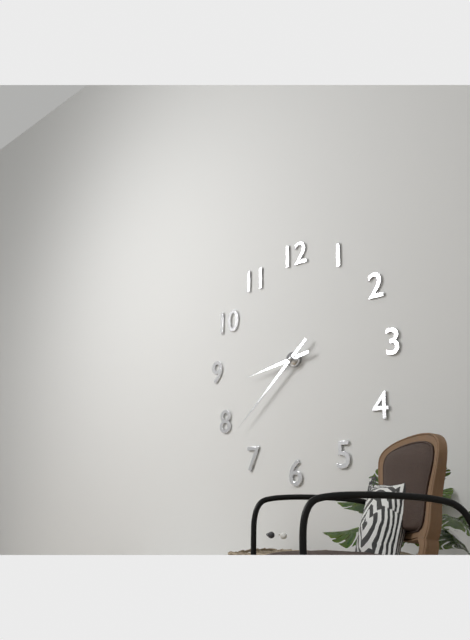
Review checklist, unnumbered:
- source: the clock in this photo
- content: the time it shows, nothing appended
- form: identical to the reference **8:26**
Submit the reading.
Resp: **8:38**
